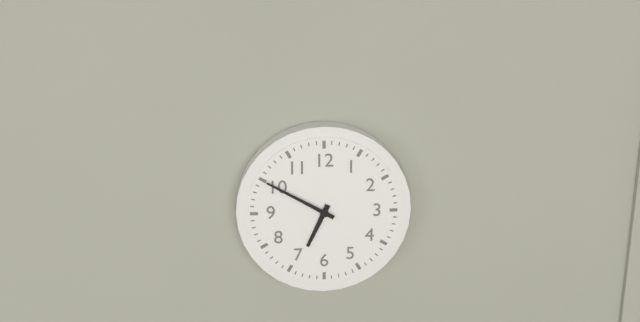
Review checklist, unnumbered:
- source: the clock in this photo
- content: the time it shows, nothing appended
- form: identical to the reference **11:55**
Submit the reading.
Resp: **6:50**
